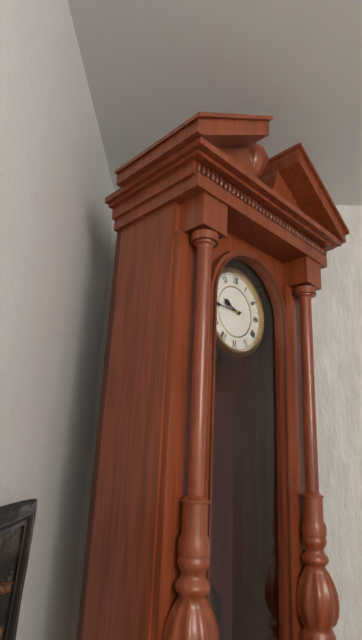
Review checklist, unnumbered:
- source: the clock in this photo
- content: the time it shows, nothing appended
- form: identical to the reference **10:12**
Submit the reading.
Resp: **9:45**
